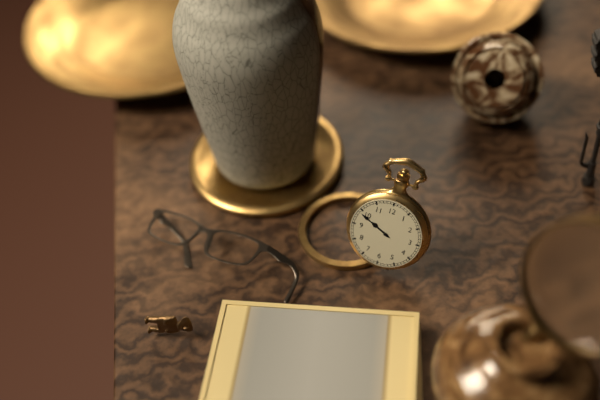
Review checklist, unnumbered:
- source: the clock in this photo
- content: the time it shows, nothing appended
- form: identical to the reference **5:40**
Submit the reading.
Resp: **9:49**
